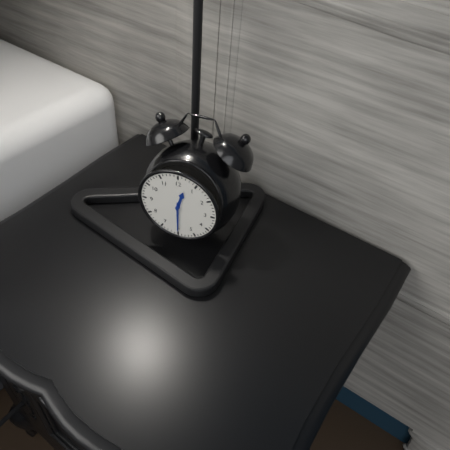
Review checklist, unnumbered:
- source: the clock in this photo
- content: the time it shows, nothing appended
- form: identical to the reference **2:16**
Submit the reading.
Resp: **12:30**
